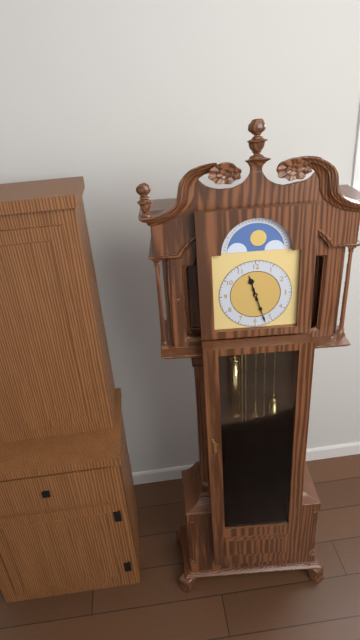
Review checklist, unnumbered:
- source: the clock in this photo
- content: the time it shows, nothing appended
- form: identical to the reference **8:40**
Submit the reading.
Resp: **11:27**
